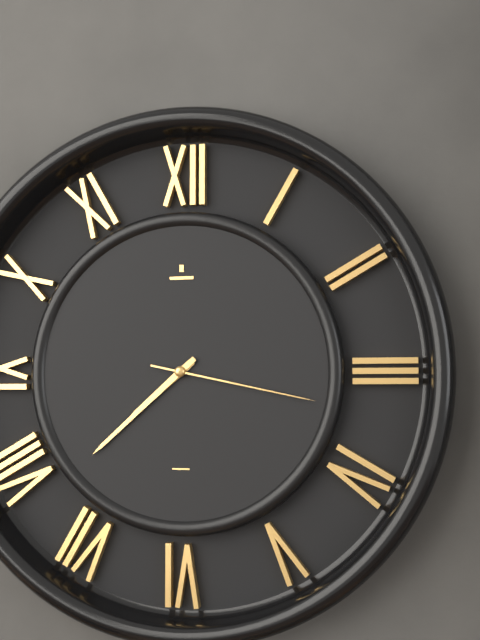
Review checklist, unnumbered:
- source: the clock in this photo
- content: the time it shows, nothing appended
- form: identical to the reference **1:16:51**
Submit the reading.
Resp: **7:38:17**
